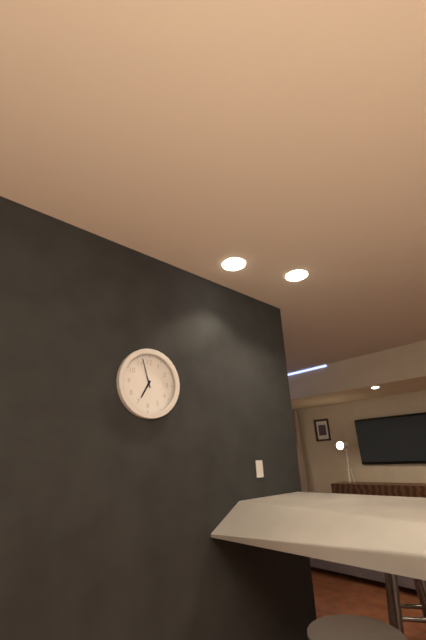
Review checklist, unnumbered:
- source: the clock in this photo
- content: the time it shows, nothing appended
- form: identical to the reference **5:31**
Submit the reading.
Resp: **6:57**
